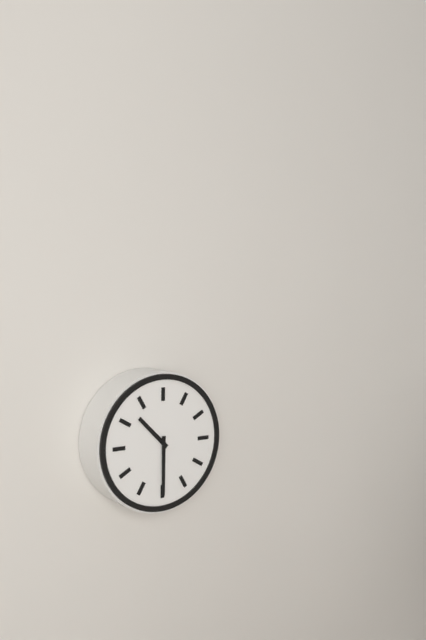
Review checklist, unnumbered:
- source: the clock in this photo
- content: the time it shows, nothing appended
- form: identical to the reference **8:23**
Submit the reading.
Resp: **10:30**
